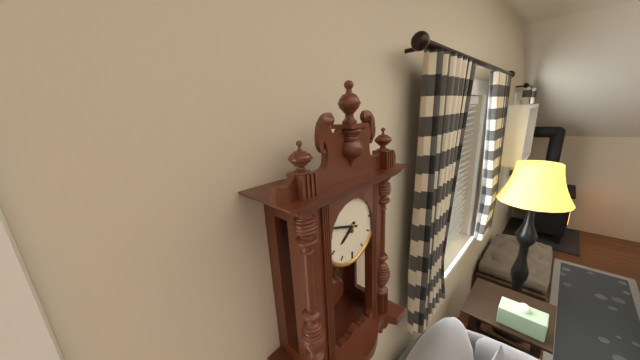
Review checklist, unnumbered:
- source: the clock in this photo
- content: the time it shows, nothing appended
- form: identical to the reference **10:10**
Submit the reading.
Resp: **7:48**
